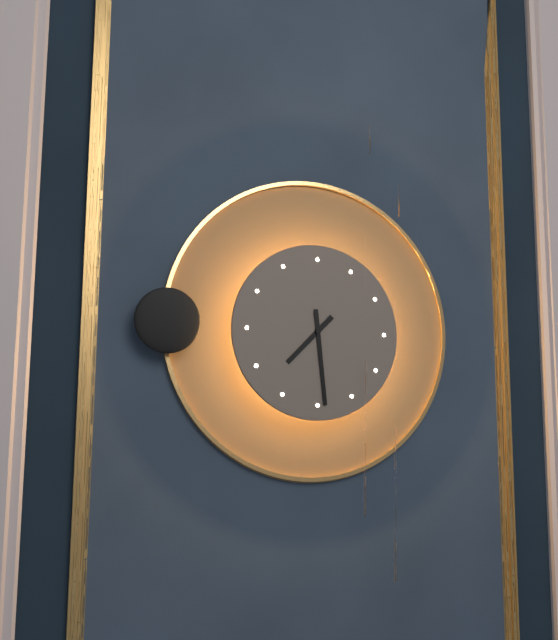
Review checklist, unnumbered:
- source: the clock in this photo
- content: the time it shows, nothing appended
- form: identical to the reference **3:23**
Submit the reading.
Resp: **7:29**
